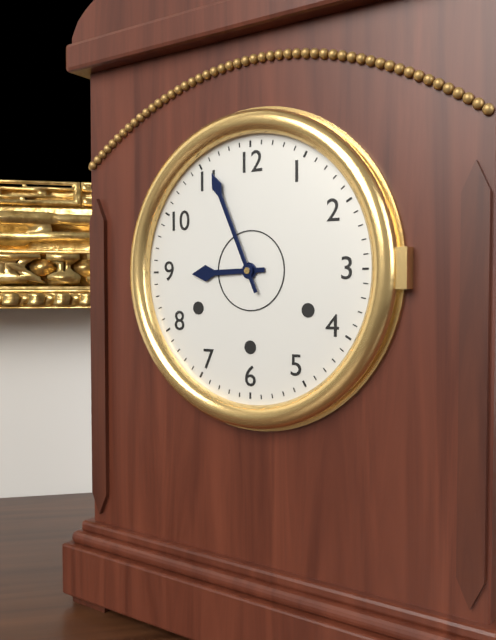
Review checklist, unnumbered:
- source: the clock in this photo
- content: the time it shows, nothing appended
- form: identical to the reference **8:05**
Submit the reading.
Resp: **8:56**
